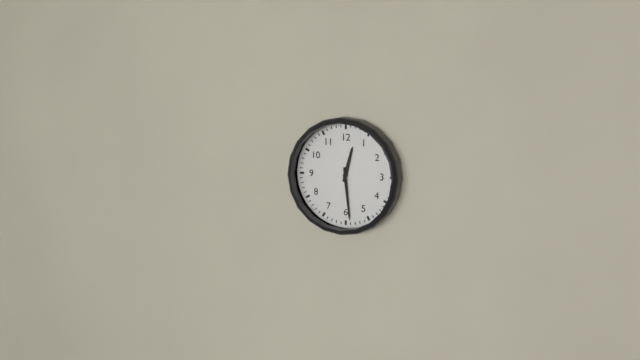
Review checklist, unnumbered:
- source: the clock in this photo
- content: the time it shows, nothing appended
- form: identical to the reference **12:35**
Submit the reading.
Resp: **12:29**
